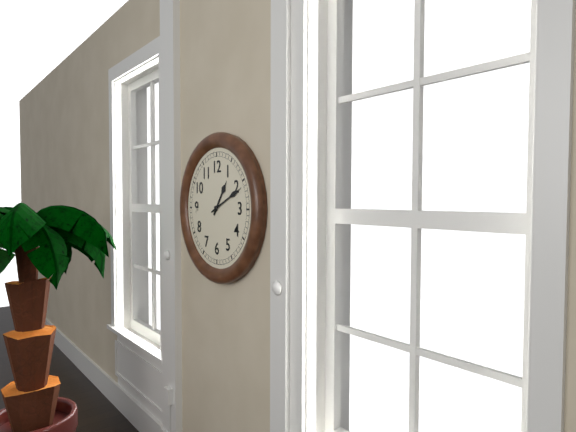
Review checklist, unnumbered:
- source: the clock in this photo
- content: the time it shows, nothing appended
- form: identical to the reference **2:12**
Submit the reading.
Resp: **1:11**
